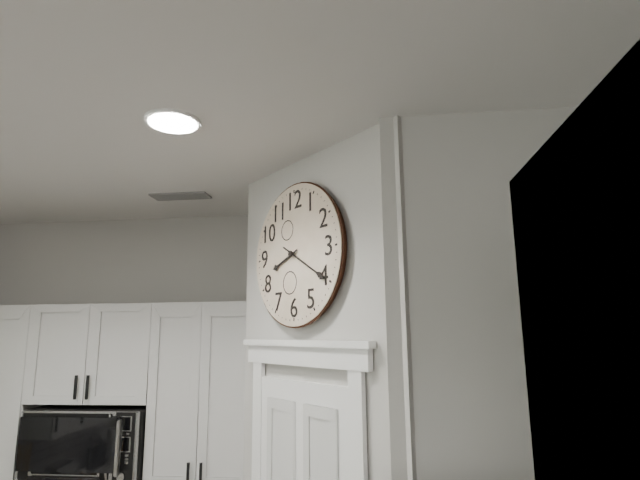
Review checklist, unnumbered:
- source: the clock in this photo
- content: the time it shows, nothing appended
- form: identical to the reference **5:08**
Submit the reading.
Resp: **8:20**
